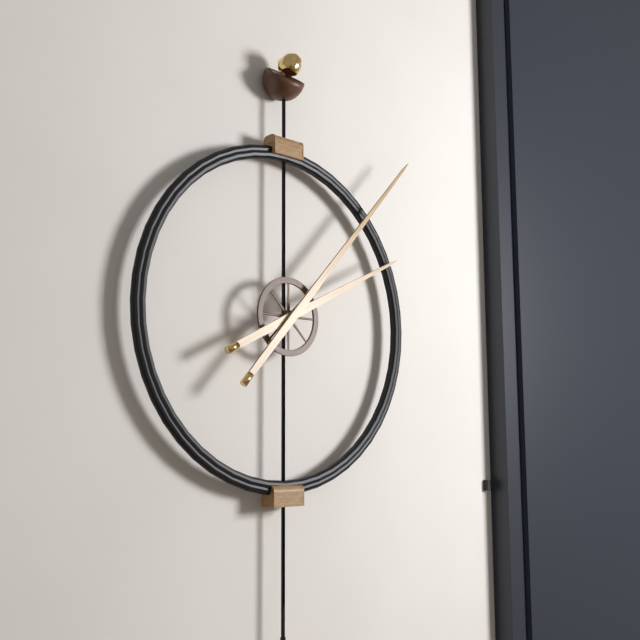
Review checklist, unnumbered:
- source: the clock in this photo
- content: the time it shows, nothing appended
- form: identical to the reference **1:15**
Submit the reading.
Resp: **2:07**
